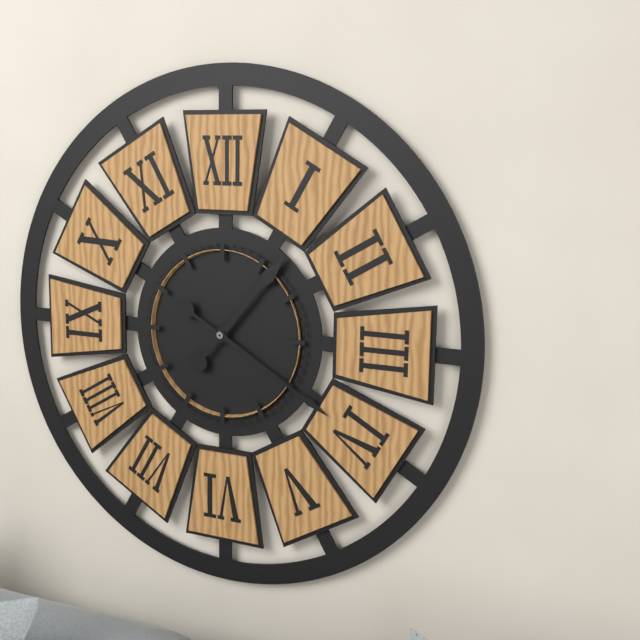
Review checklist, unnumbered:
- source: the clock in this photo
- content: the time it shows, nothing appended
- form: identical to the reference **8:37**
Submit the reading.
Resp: **1:20**
